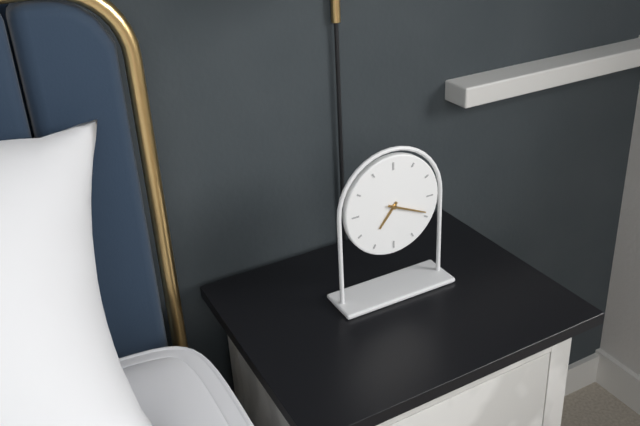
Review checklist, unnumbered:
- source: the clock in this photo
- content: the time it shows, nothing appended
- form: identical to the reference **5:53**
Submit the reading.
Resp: **7:19**
